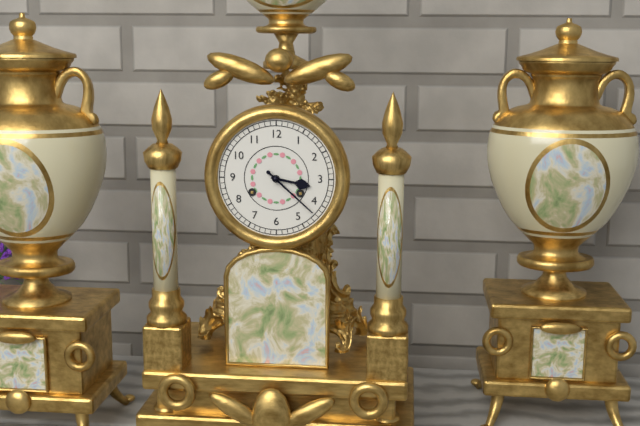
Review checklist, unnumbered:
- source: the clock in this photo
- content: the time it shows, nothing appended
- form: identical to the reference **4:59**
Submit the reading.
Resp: **3:22**
